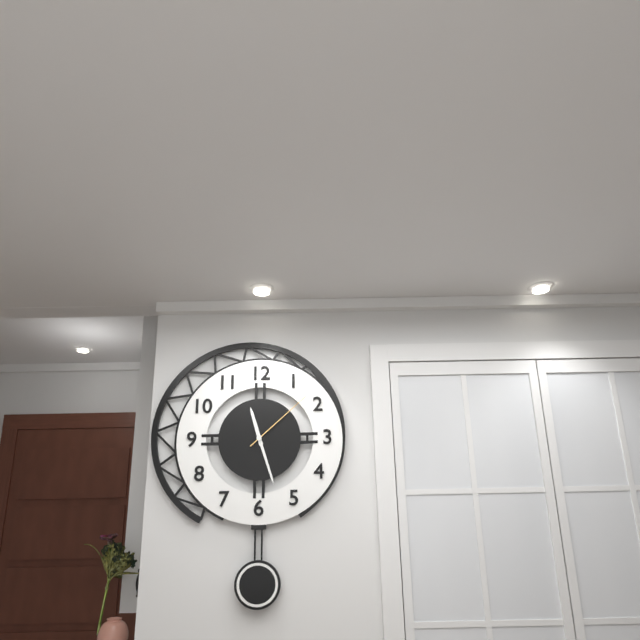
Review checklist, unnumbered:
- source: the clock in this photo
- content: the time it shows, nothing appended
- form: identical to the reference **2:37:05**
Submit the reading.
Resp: **11:27:08**
